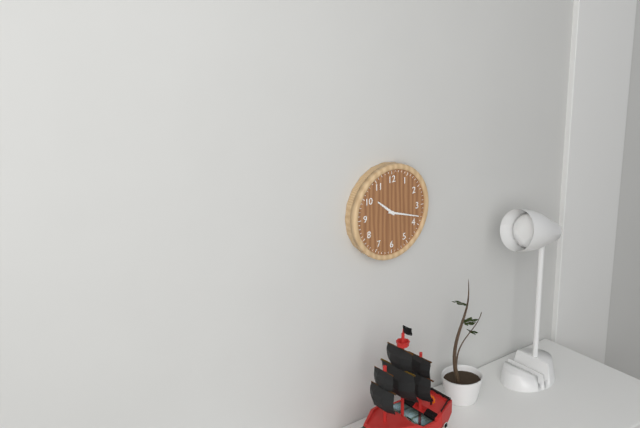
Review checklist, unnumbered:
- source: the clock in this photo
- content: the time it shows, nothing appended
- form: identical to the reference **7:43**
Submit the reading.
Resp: **10:18**
